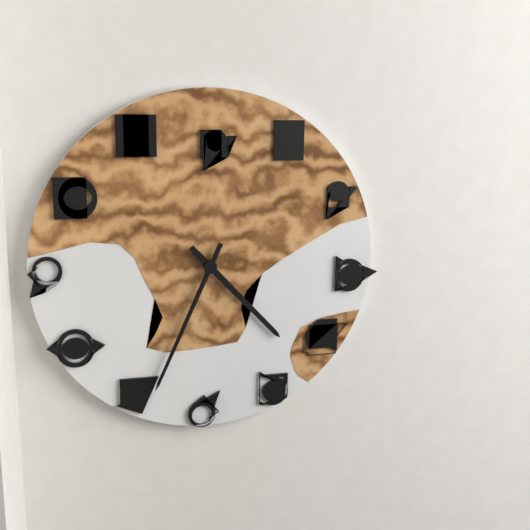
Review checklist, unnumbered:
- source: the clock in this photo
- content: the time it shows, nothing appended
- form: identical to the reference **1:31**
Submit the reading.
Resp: **4:34**
